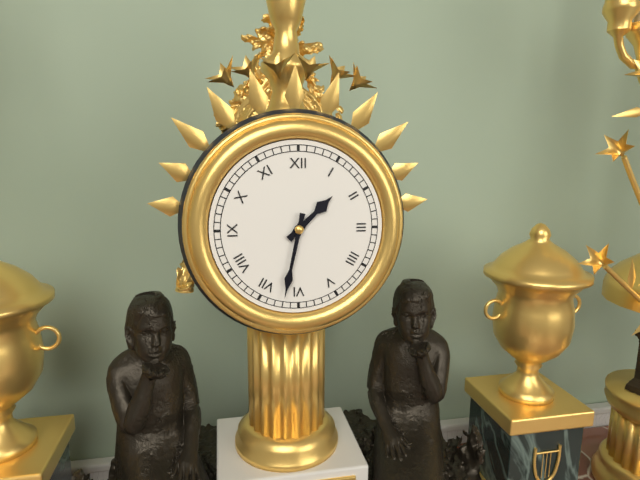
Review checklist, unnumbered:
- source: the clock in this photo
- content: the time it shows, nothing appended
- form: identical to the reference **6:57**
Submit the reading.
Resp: **1:32**
